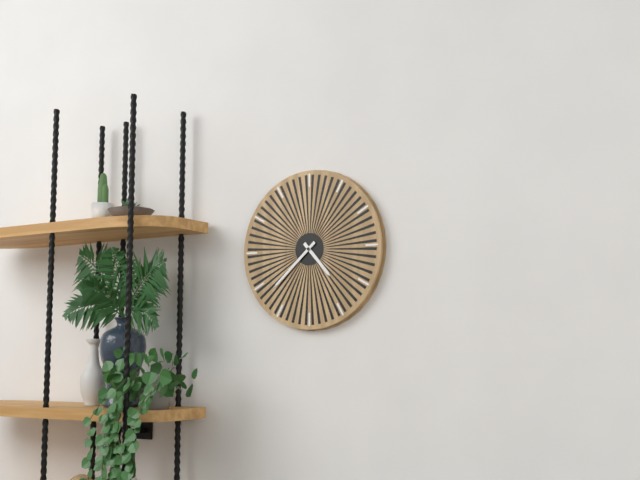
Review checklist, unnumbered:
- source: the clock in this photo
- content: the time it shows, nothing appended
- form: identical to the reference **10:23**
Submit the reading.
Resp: **4:38**
